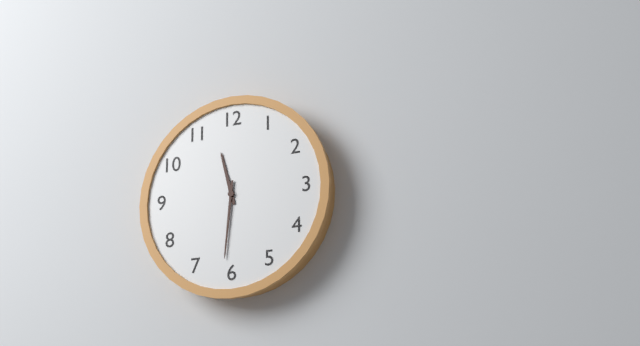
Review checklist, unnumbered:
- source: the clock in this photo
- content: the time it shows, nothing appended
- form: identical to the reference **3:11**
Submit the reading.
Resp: **11:31**
